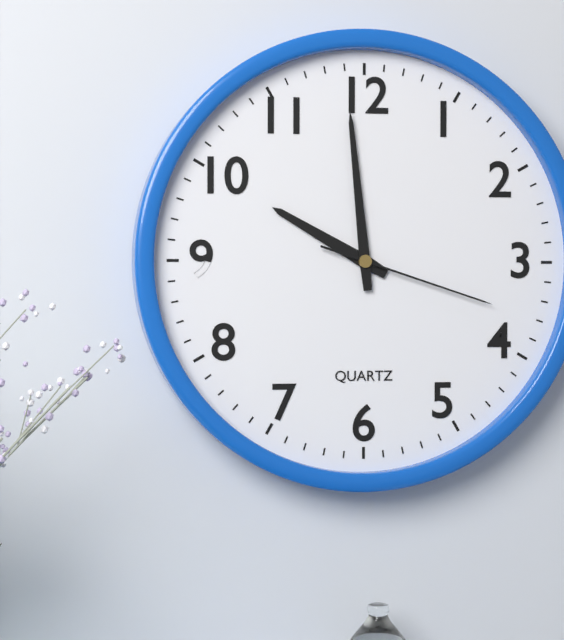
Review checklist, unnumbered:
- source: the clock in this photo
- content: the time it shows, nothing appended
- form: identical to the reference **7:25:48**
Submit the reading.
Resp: **9:59:18**
